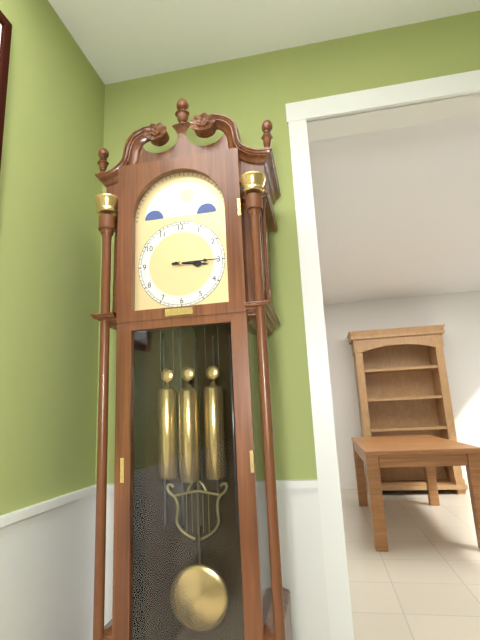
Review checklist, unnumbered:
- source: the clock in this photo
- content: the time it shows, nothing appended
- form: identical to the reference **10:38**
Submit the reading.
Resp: **3:15**
